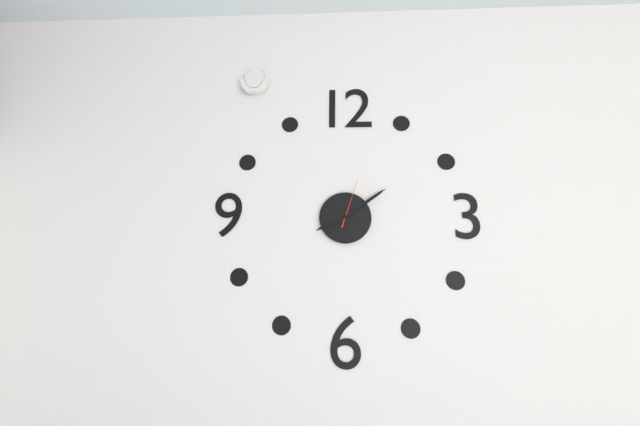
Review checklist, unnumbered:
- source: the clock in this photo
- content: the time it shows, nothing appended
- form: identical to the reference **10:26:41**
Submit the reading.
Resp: **8:09:03**
